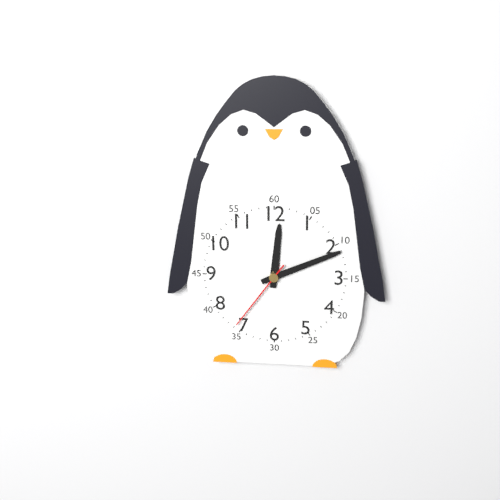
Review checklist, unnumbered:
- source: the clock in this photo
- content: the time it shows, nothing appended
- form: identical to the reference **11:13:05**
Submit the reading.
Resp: **12:11:36**
